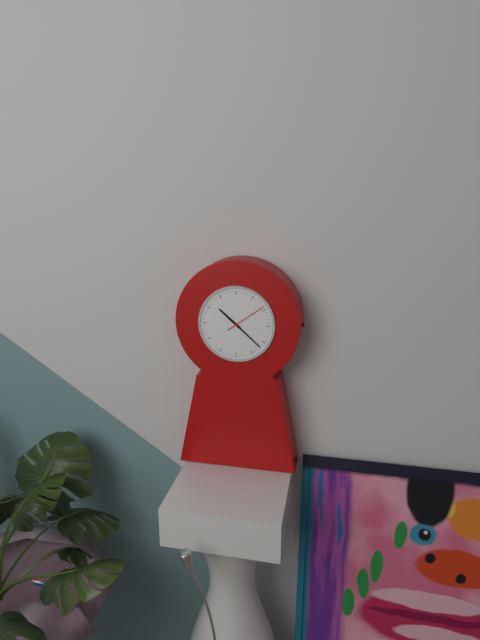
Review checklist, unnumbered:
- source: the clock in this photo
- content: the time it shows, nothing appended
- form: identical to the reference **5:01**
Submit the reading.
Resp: **10:22**
